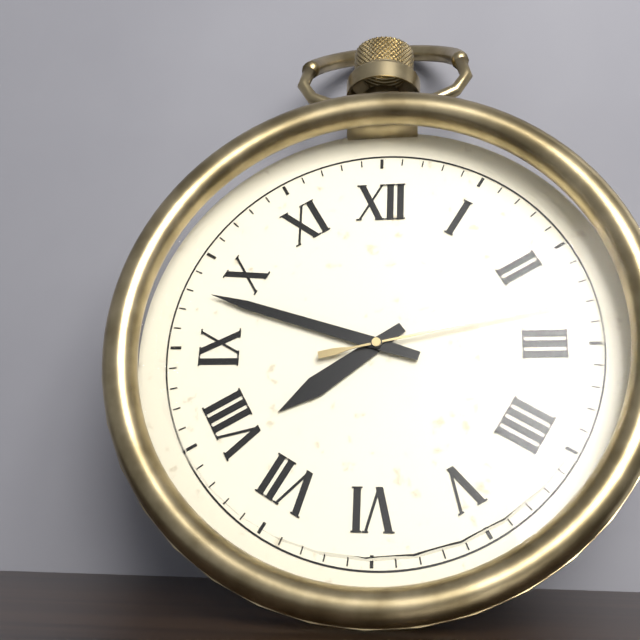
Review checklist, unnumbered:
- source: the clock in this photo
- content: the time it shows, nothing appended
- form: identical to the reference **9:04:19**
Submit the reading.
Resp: **7:48:13**
